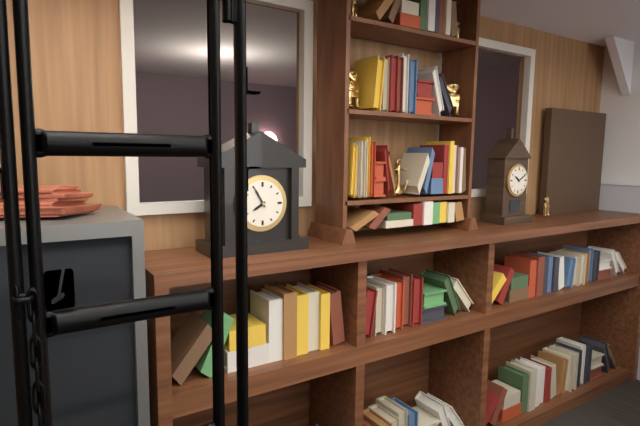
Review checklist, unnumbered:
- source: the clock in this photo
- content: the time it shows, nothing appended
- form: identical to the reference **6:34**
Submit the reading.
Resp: **7:55**
